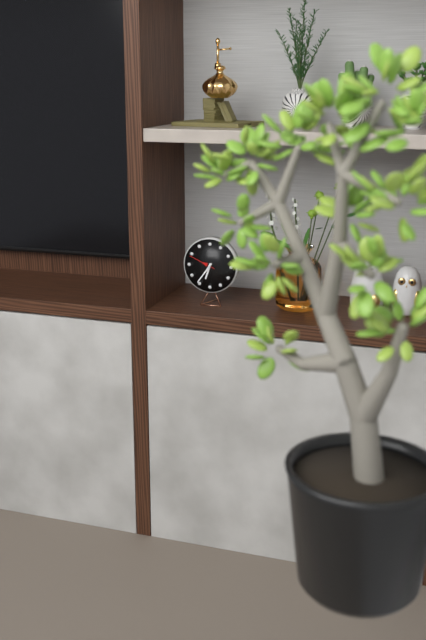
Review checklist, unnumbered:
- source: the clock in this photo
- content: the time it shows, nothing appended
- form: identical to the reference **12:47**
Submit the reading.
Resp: **6:36**
